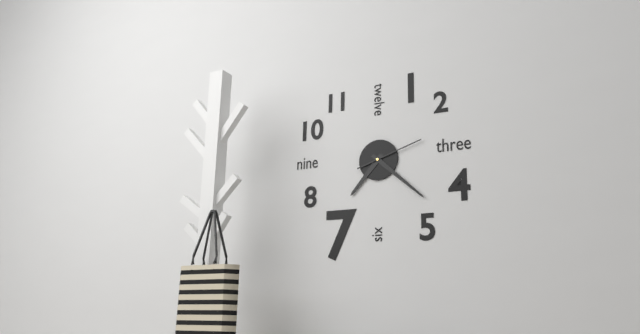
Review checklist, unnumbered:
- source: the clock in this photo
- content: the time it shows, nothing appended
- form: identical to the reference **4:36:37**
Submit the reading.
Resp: **7:22:12**
